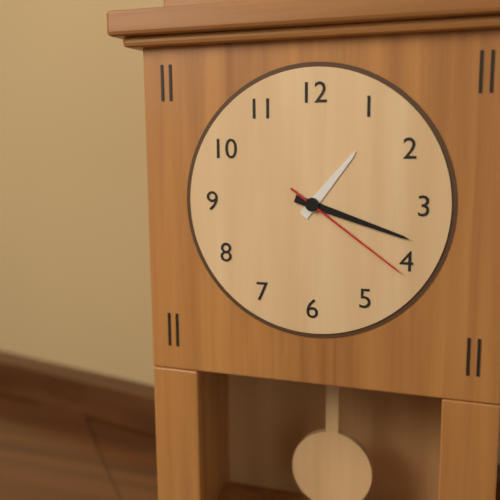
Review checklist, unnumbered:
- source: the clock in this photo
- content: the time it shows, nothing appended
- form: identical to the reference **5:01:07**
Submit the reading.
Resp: **1:18:21**
